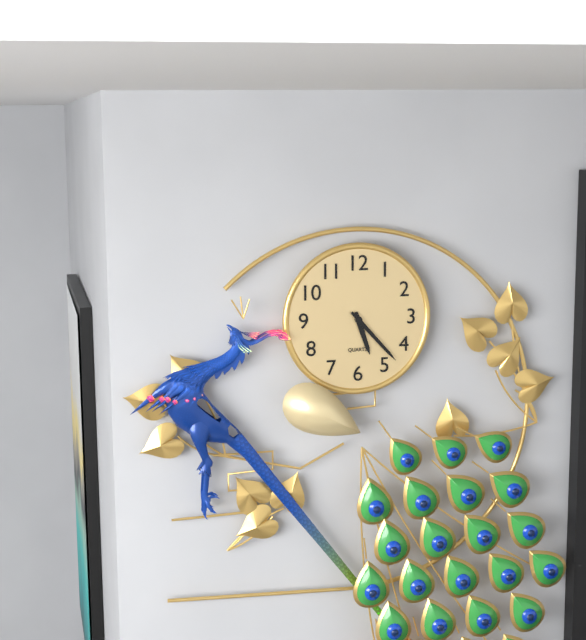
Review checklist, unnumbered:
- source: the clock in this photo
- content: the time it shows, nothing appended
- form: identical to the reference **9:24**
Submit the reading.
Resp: **5:23**
